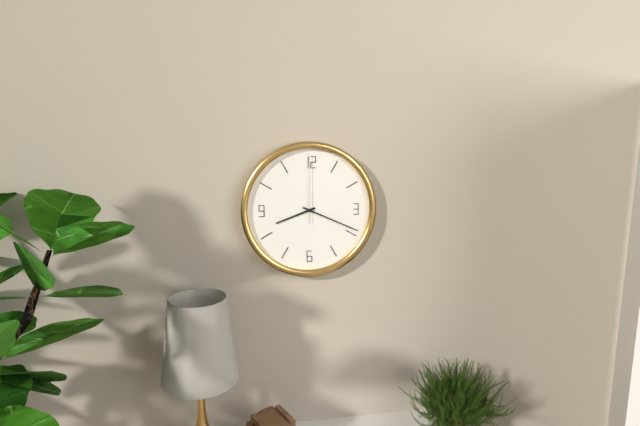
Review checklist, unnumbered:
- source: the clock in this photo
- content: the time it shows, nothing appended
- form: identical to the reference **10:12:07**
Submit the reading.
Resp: **8:19:00**
